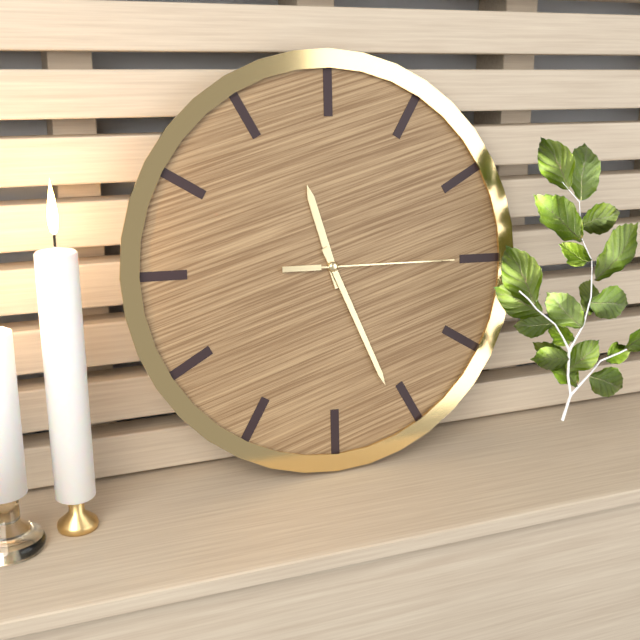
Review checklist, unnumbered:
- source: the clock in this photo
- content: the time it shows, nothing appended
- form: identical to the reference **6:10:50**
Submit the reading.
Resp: **11:26:15**
